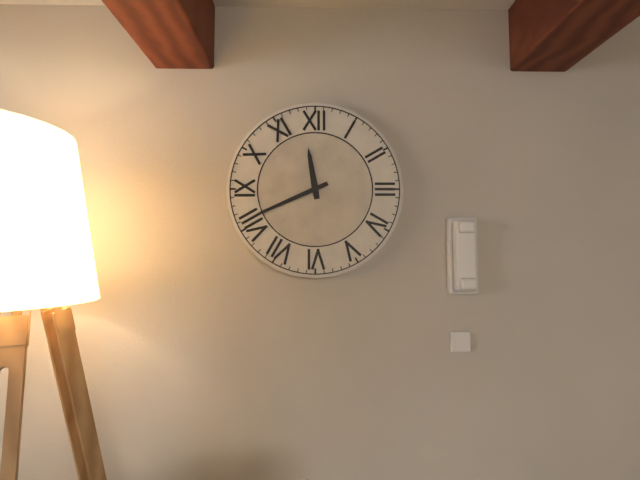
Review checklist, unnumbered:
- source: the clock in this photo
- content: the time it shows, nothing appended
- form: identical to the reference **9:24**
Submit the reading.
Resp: **11:41**
